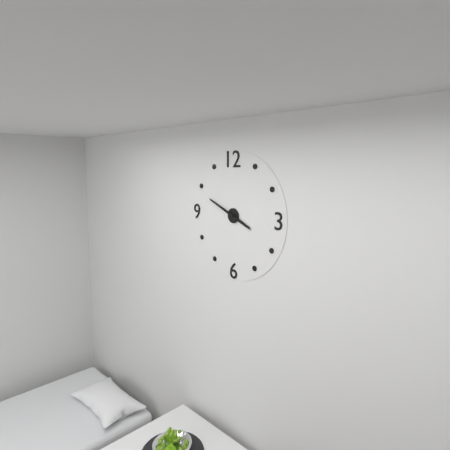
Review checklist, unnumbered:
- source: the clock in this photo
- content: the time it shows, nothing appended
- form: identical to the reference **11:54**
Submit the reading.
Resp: **3:49**
